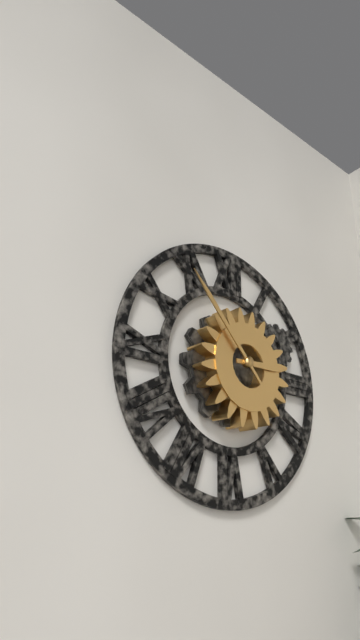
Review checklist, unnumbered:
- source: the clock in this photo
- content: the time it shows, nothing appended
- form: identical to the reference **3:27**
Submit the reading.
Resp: **2:53**
